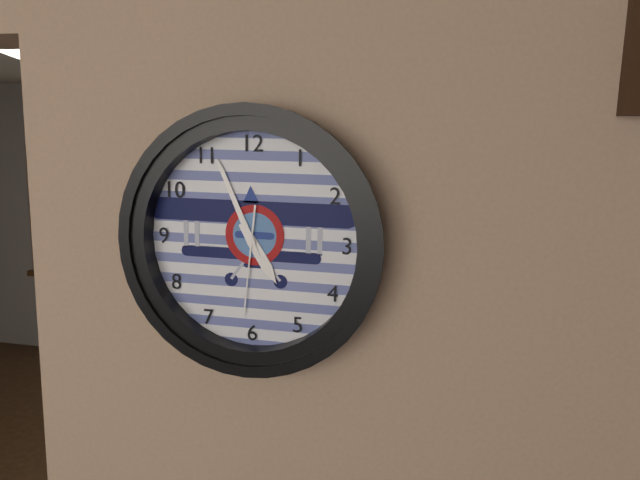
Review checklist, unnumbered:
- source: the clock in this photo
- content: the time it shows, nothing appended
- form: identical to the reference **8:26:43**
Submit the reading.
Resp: **4:56:31**
